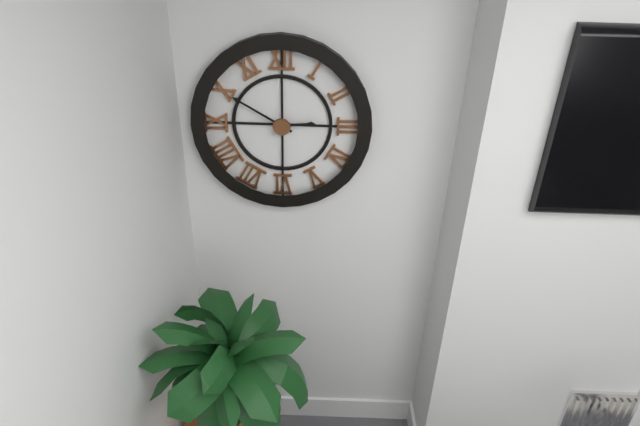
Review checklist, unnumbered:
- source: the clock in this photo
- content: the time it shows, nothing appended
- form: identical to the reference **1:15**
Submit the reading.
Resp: **2:50**
